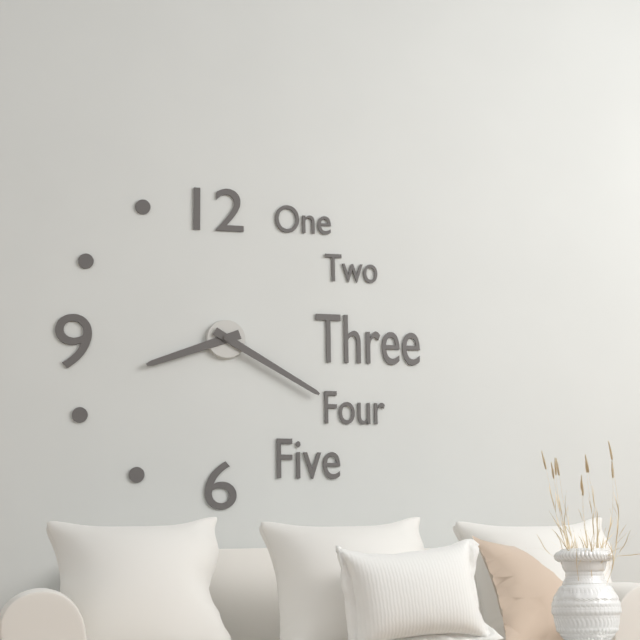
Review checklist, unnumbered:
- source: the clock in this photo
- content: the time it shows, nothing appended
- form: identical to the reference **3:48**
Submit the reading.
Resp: **8:20**
